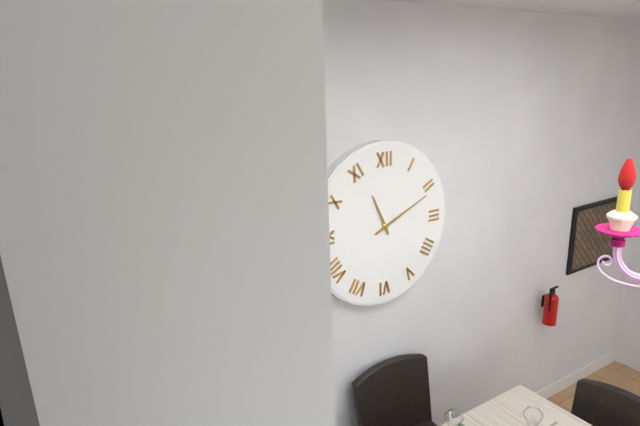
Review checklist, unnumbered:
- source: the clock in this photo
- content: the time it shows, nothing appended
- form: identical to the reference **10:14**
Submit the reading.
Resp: **11:11**
